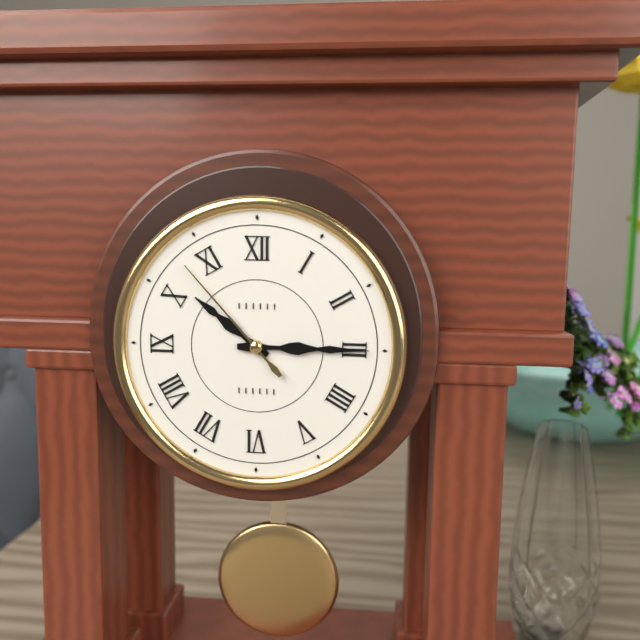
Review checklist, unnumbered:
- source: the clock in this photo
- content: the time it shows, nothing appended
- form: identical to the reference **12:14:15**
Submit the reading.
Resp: **10:15:53**
